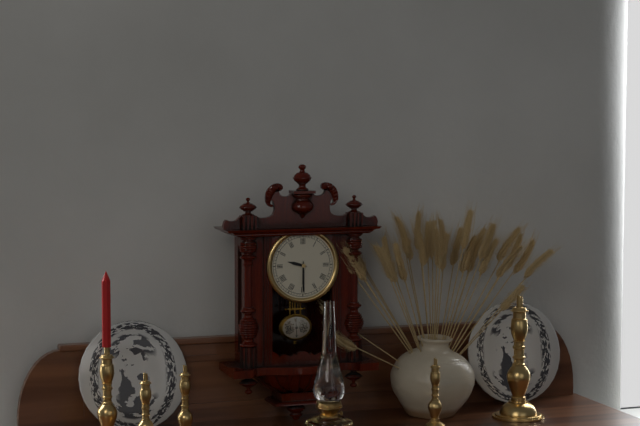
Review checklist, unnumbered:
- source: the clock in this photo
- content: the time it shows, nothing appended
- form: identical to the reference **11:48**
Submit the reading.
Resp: **9:30**
